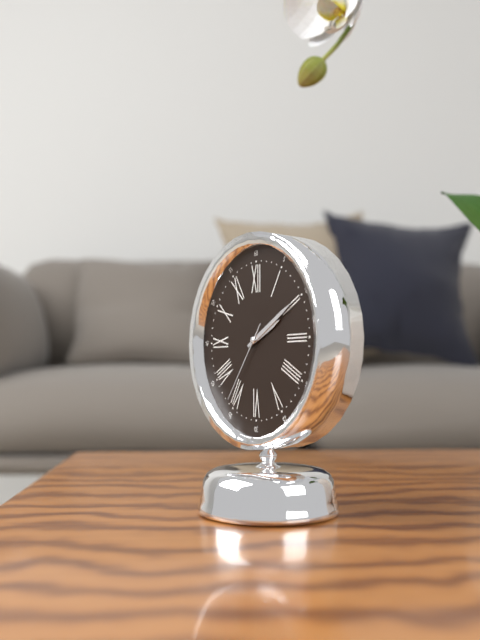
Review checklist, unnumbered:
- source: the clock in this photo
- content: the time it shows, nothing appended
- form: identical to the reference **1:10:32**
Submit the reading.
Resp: **2:10:36**
